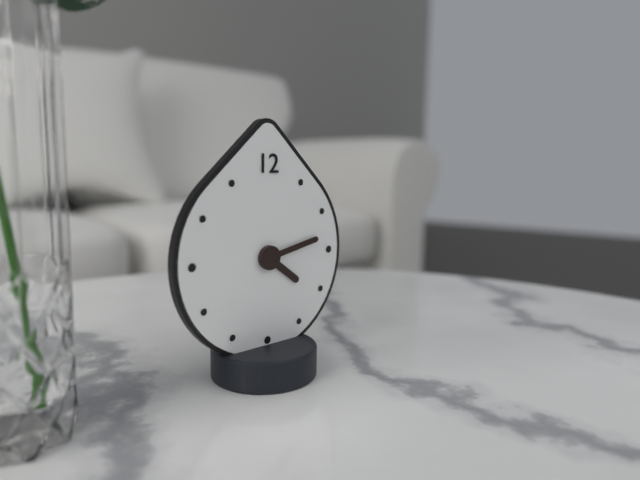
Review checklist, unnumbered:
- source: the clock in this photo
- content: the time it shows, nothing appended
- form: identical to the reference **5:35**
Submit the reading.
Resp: **4:13**
